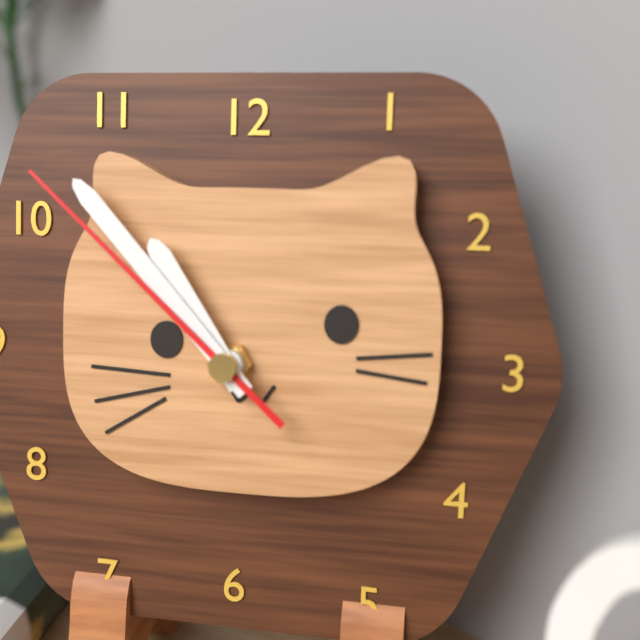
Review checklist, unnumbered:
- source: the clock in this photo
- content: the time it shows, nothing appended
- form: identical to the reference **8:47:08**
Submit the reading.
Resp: **10:53:52**
